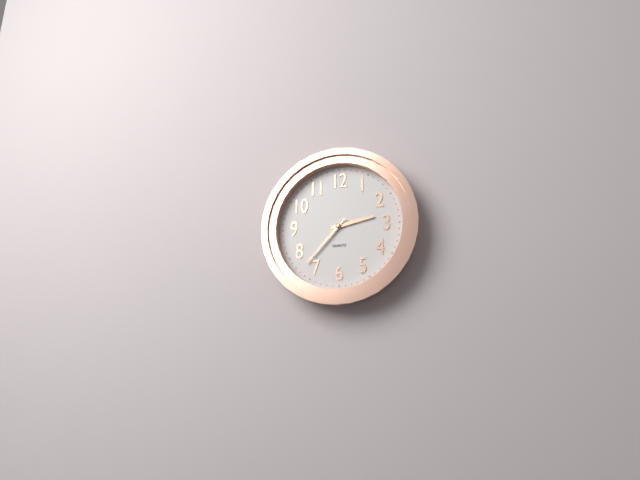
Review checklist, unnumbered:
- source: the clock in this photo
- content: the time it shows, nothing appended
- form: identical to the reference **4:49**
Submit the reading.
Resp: **2:37**
